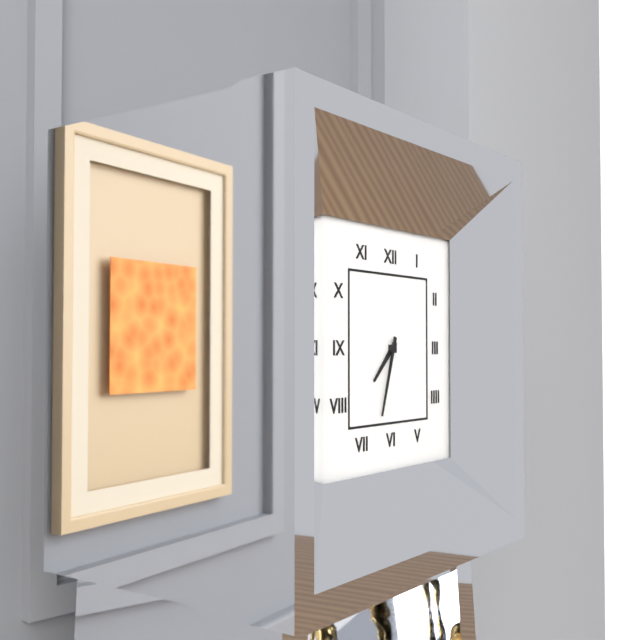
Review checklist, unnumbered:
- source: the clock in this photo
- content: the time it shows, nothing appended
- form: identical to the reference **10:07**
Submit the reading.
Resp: **7:33**
